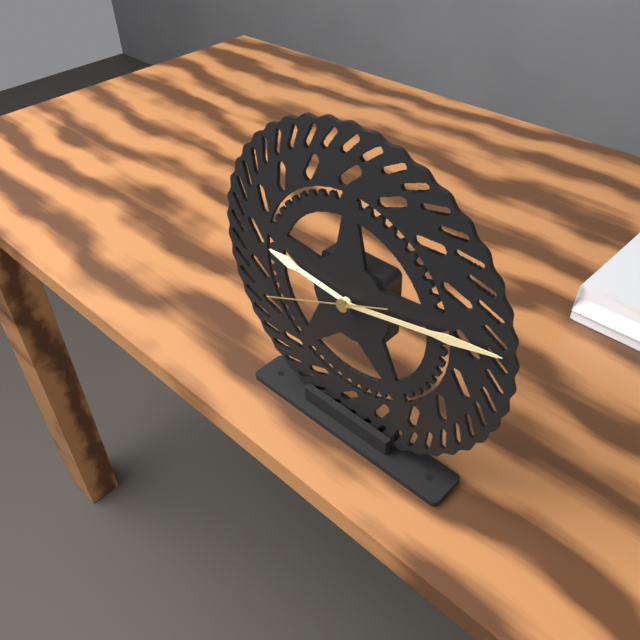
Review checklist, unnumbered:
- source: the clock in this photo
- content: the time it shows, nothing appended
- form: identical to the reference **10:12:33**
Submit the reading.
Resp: **9:13:41**
